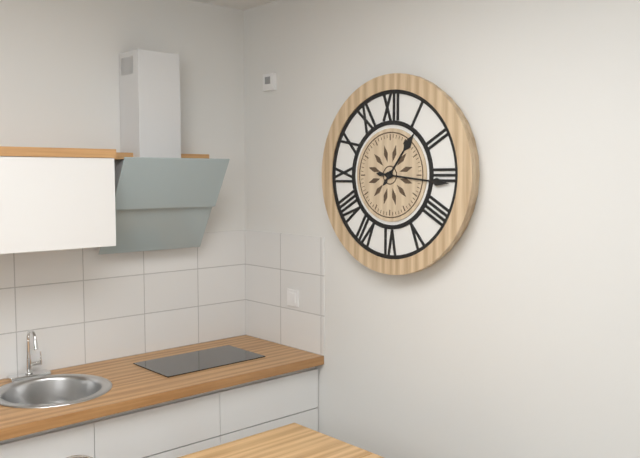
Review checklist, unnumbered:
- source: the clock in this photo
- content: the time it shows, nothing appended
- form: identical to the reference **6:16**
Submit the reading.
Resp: **1:16**
